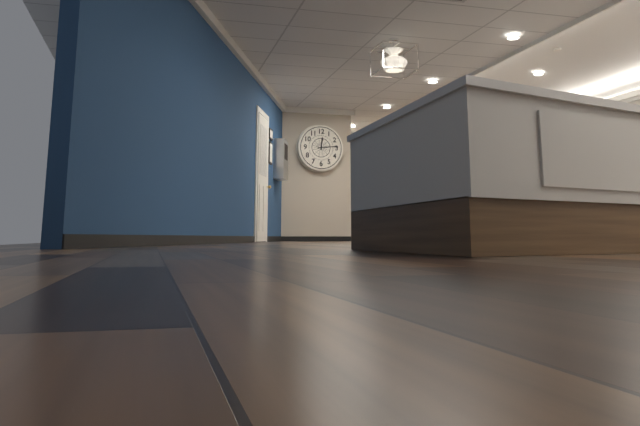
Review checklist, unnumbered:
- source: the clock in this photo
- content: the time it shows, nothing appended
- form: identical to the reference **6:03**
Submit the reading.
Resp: **12:14**
